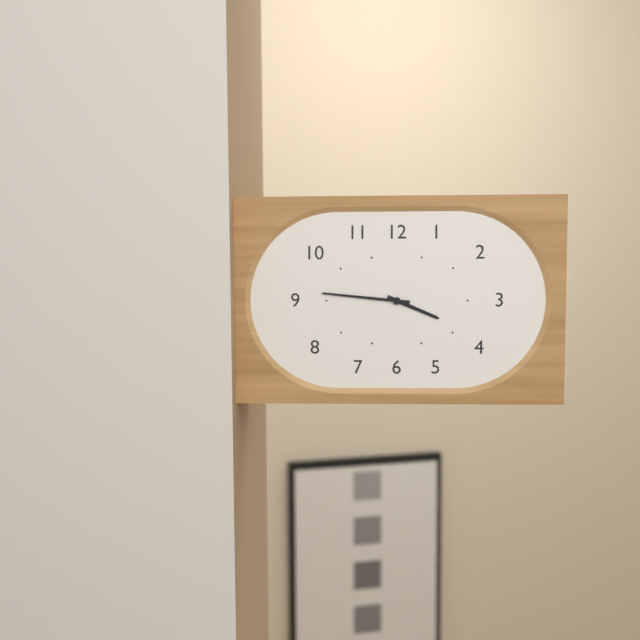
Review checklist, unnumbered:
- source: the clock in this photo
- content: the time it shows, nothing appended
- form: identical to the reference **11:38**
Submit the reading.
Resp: **3:46**
